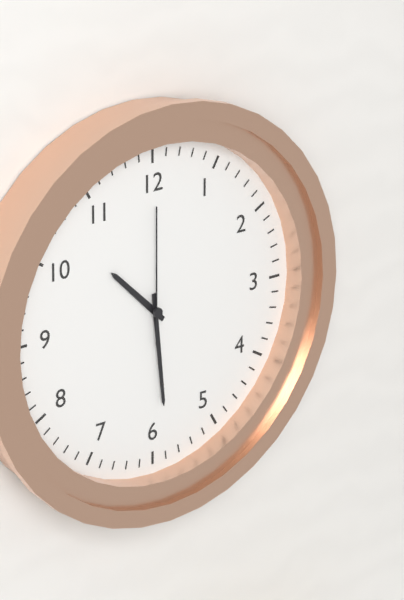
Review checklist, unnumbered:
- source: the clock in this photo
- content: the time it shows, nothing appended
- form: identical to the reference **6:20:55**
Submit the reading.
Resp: **10:29:00**
